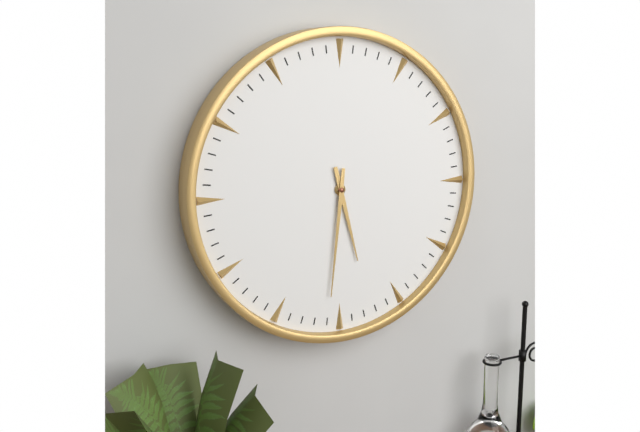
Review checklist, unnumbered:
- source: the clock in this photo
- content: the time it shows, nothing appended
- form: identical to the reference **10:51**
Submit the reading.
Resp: **5:31**
